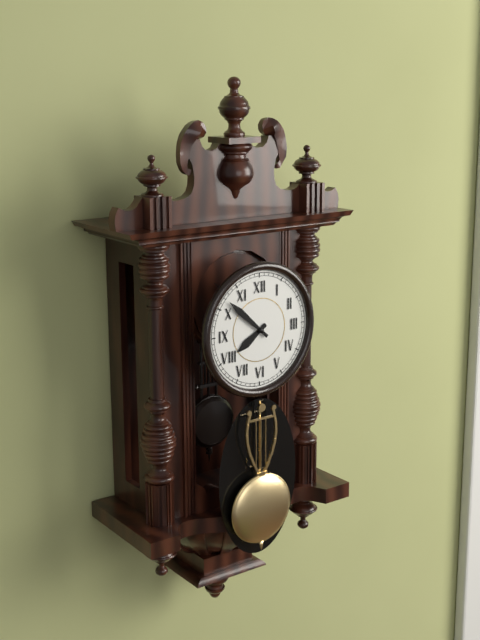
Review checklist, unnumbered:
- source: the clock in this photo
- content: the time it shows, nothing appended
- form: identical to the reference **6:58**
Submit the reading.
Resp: **7:52**
